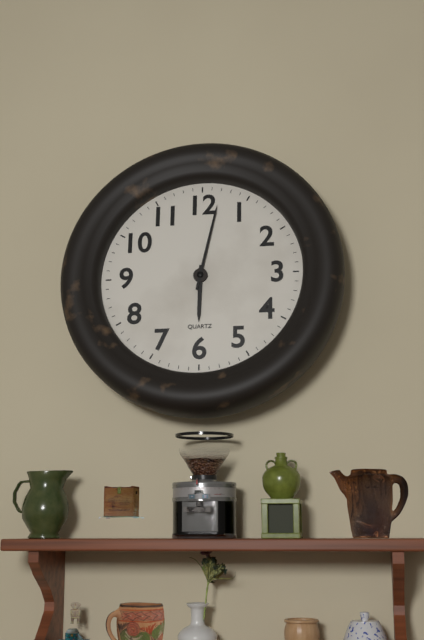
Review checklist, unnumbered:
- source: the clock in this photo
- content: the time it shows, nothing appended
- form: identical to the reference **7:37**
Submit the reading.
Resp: **6:02**
